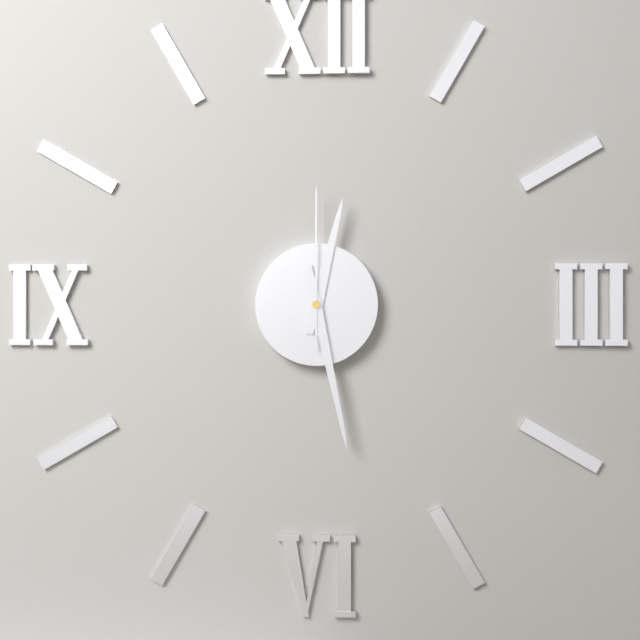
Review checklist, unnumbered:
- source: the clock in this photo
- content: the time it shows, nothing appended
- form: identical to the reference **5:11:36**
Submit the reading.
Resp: **12:28:00**
